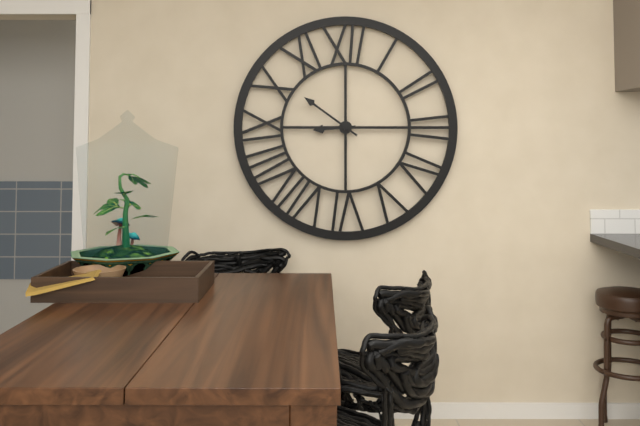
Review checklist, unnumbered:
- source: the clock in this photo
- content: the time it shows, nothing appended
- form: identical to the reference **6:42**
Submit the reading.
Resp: **8:51**
